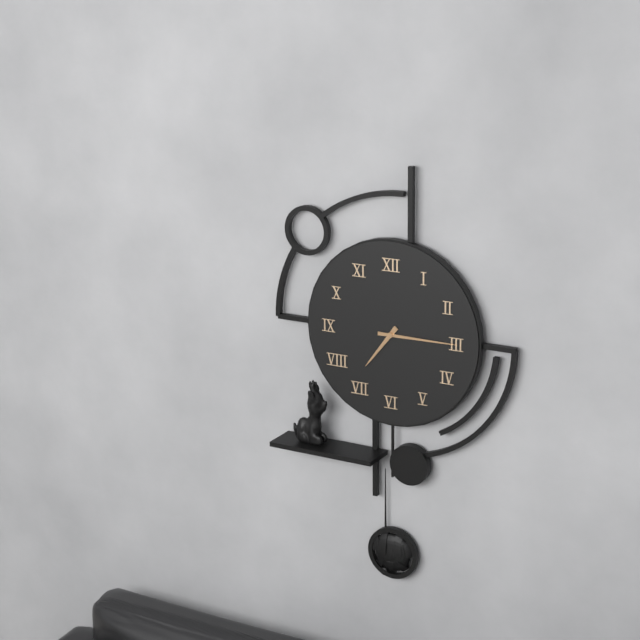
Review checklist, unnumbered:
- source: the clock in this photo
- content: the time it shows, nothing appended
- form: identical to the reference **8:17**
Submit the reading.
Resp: **7:15**
